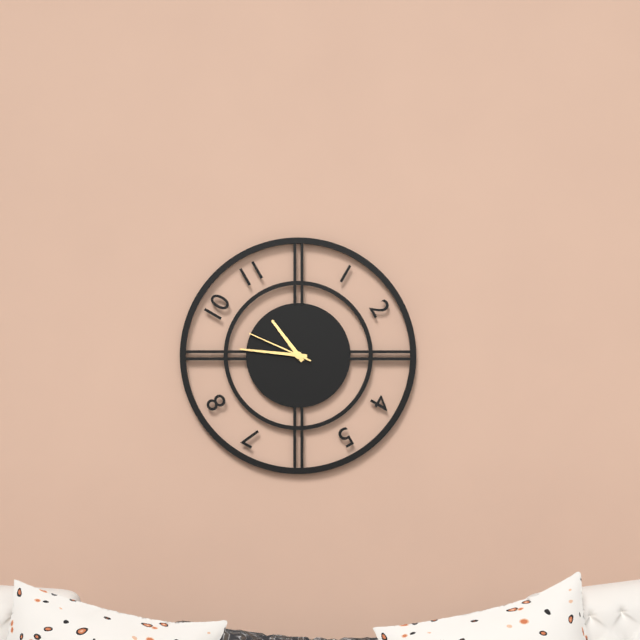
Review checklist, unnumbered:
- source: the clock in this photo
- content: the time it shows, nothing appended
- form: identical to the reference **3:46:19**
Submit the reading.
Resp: **10:46:49**
